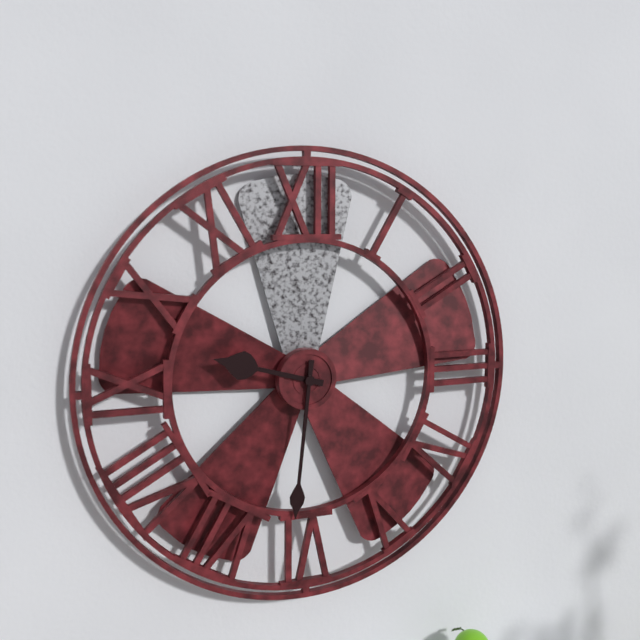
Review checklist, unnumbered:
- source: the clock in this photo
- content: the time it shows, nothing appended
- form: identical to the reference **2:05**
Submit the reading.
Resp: **9:31**
